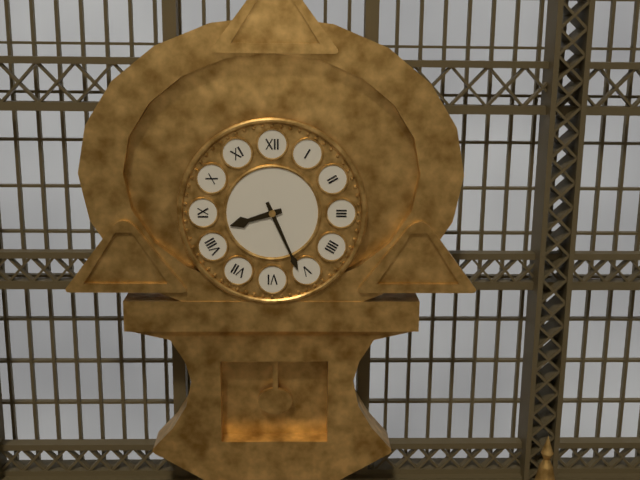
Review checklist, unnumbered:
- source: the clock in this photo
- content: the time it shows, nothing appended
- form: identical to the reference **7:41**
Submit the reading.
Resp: **8:26**
